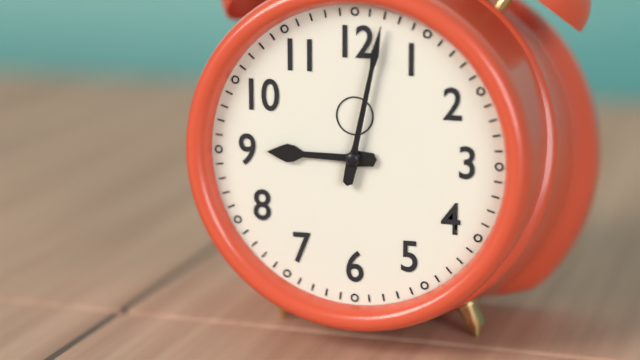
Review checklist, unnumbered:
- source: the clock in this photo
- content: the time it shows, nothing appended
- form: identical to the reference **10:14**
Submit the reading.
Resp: **9:02**
